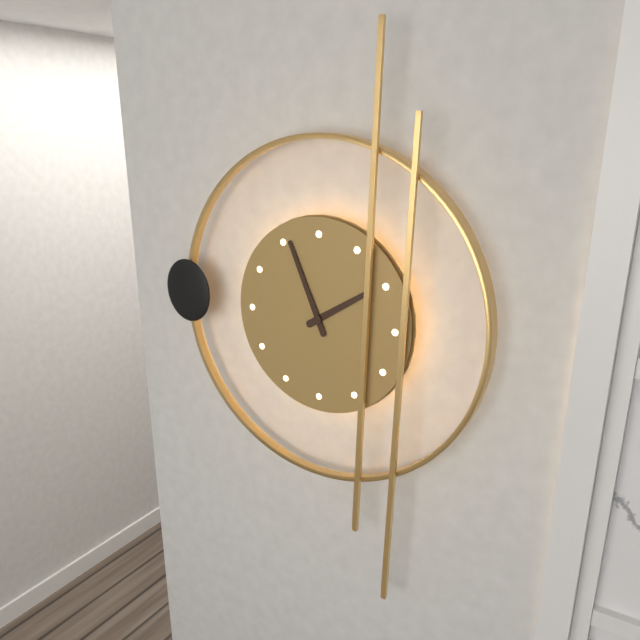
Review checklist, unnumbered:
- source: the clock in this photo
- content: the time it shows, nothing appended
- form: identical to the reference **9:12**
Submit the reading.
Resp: **1:56**
